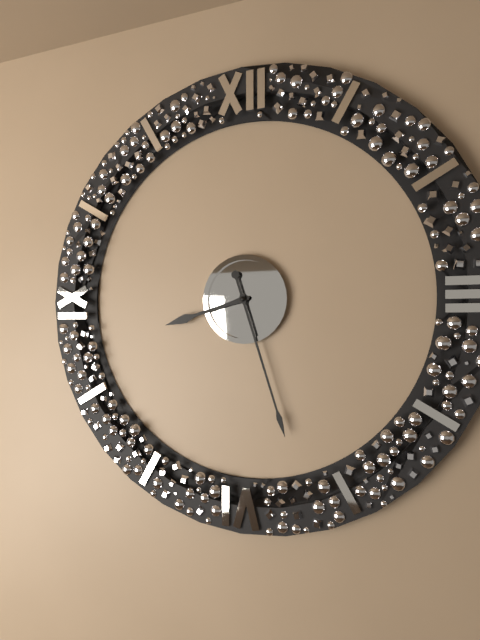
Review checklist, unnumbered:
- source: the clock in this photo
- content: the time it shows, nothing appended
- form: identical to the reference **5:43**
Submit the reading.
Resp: **8:27**
